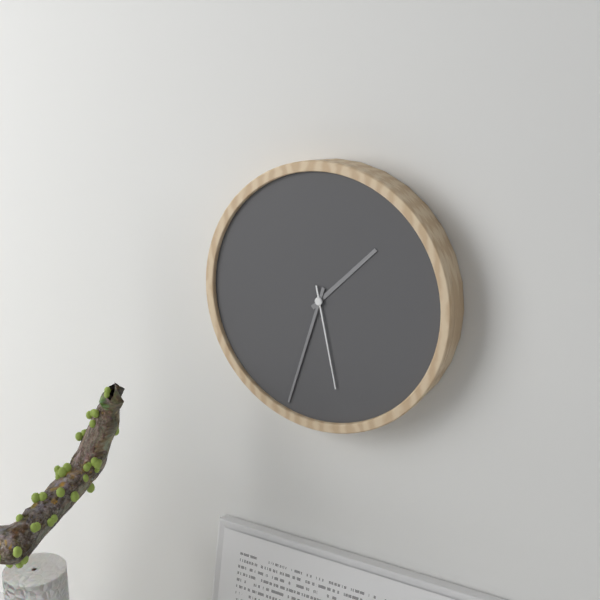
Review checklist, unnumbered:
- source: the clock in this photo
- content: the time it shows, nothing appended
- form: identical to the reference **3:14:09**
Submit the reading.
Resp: **1:33:28**
